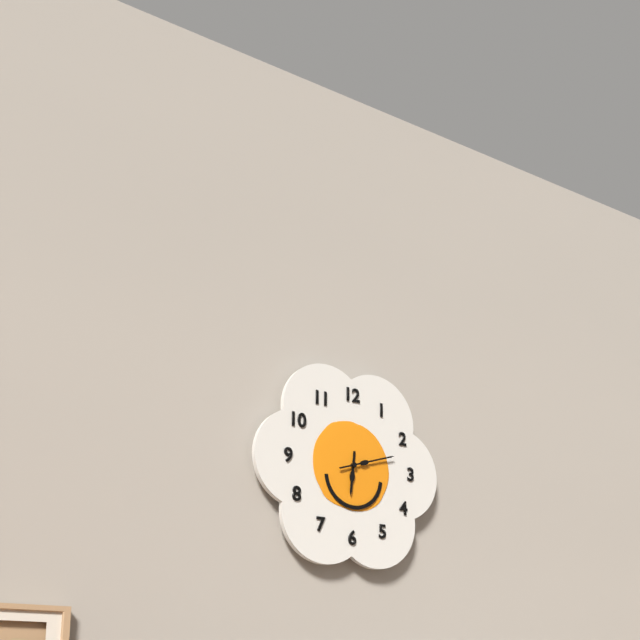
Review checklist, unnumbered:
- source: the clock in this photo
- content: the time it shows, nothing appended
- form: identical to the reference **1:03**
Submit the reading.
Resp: **6:12**
